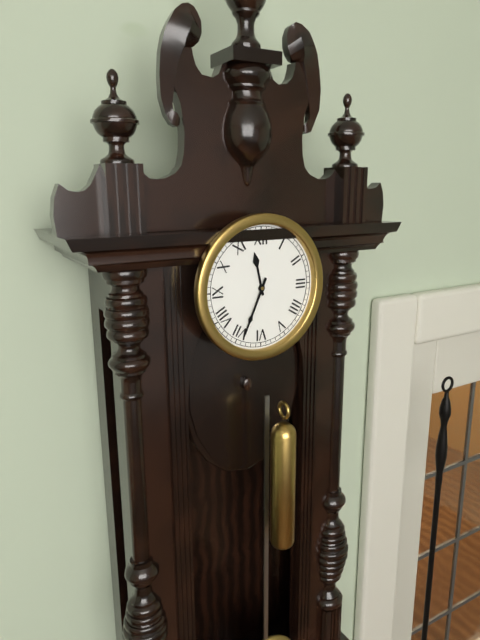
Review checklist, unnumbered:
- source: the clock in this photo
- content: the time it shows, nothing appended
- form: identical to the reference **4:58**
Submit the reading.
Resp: **11:34**
